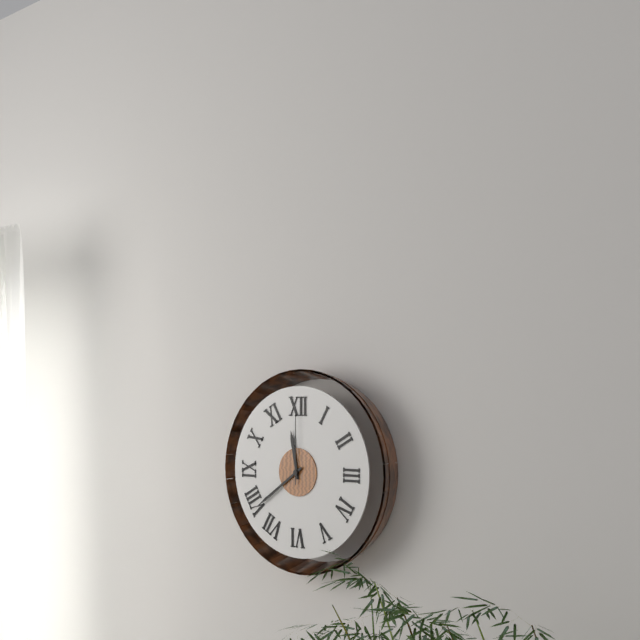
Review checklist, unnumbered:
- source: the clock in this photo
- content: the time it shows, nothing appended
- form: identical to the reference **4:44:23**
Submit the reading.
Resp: **11:39:00**
